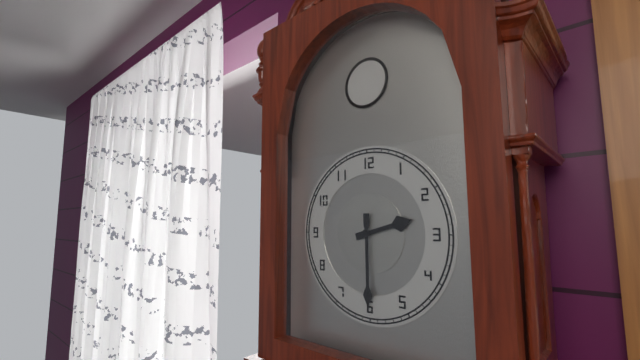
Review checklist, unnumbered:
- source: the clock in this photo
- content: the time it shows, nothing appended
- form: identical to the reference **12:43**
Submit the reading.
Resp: **2:30**
